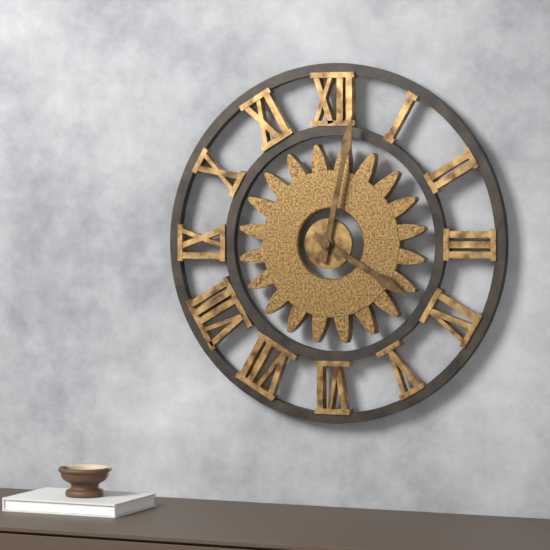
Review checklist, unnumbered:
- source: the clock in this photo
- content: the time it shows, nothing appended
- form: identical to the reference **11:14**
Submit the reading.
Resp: **4:02**
